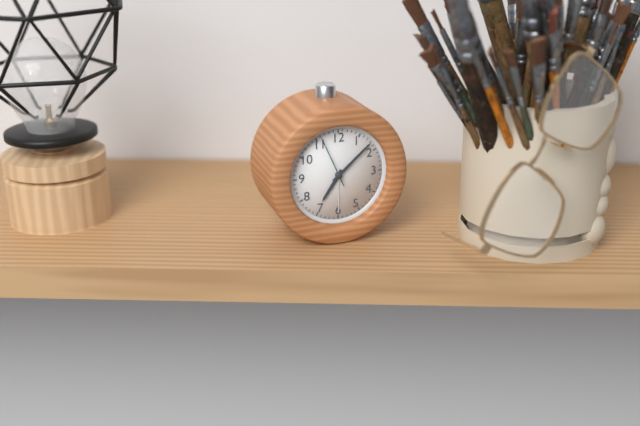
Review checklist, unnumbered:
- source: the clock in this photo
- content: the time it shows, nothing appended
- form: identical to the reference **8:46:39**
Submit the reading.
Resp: **7:08:56**
